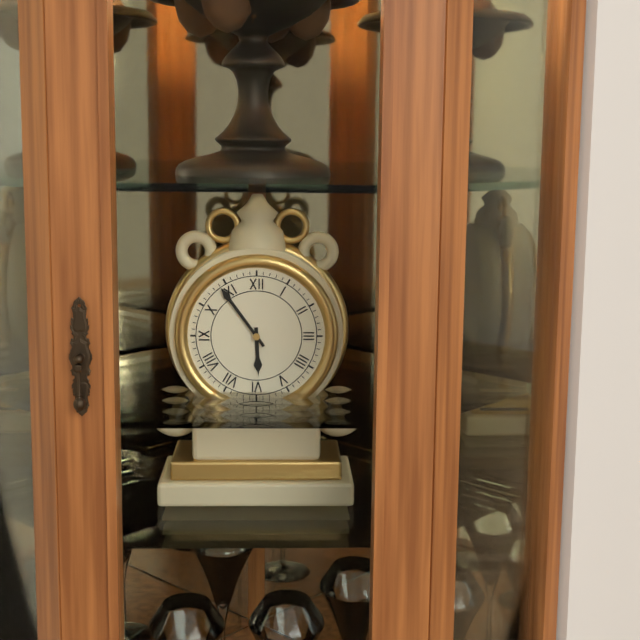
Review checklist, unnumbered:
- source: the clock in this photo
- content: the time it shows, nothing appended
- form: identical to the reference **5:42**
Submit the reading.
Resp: **5:54**
